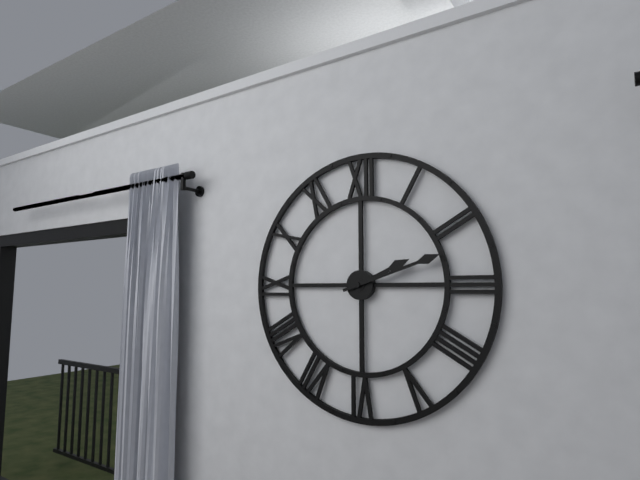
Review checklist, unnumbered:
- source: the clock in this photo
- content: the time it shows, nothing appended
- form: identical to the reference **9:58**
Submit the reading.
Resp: **2:12**
